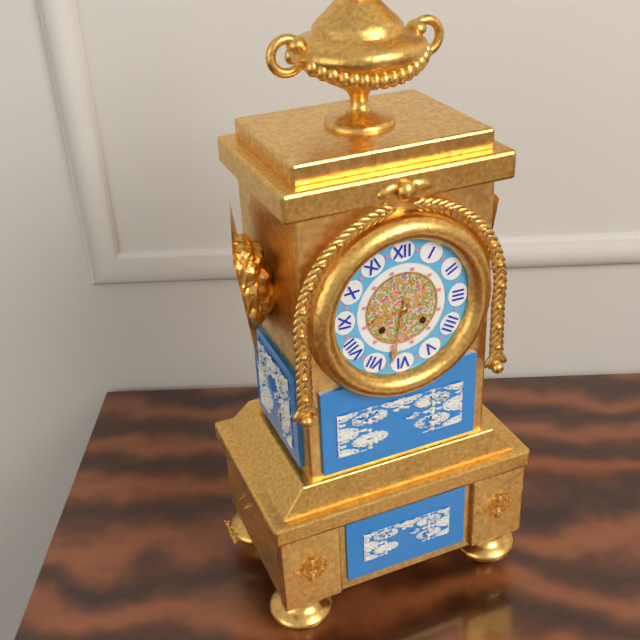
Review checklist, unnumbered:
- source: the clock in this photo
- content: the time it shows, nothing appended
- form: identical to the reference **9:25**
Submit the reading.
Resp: **8:32**
